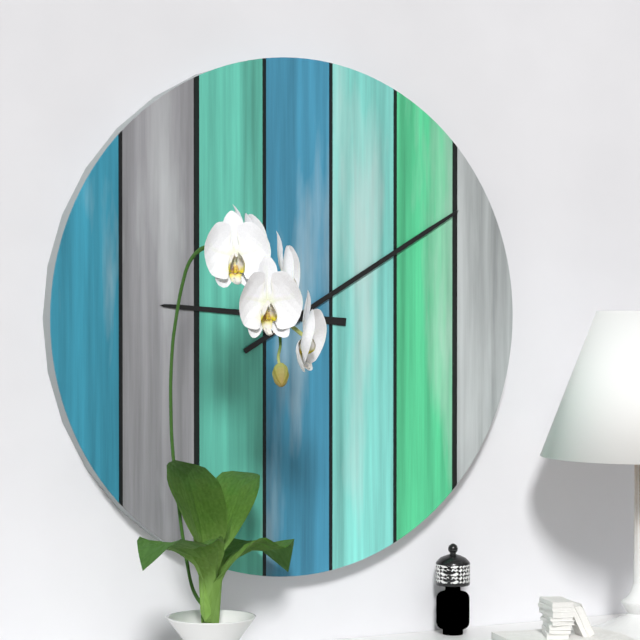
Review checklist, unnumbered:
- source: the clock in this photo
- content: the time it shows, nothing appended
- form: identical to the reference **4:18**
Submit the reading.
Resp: **9:10**
